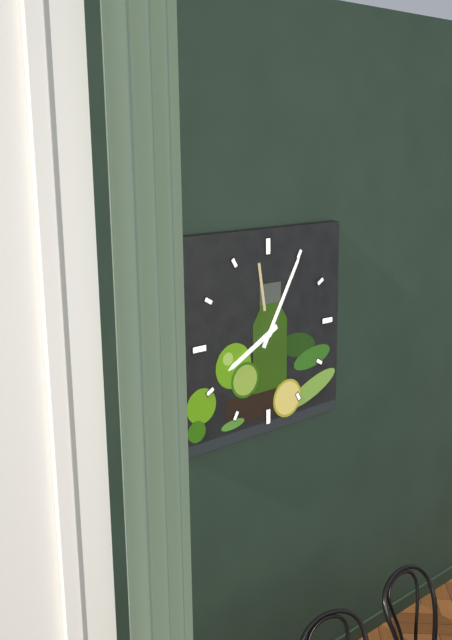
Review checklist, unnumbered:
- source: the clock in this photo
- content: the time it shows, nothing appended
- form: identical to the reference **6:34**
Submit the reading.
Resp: **8:05**
